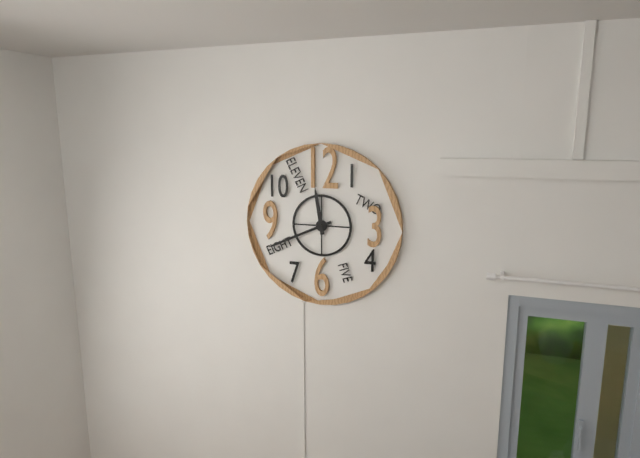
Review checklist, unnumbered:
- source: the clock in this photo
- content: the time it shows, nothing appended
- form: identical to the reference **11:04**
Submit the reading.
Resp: **11:41**
